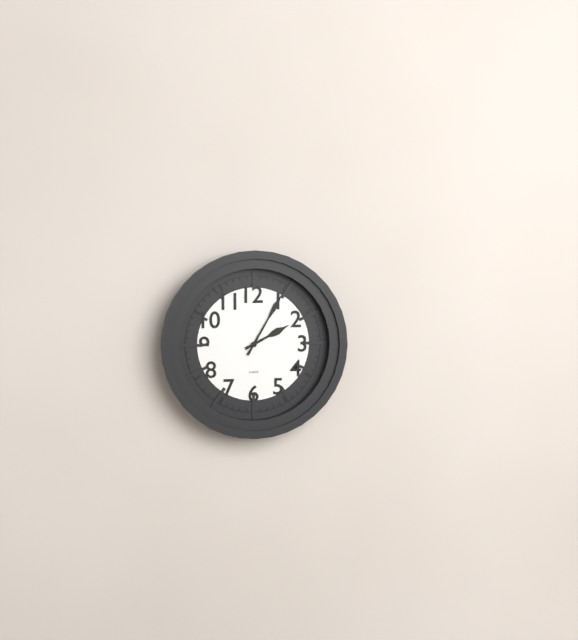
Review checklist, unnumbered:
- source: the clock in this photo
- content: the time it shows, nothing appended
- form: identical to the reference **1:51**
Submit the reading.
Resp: **2:05**
